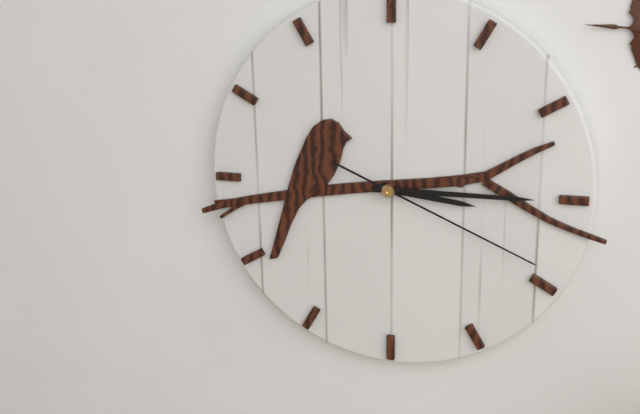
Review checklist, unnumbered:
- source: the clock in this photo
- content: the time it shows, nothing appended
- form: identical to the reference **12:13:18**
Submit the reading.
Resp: **3:15:19**
